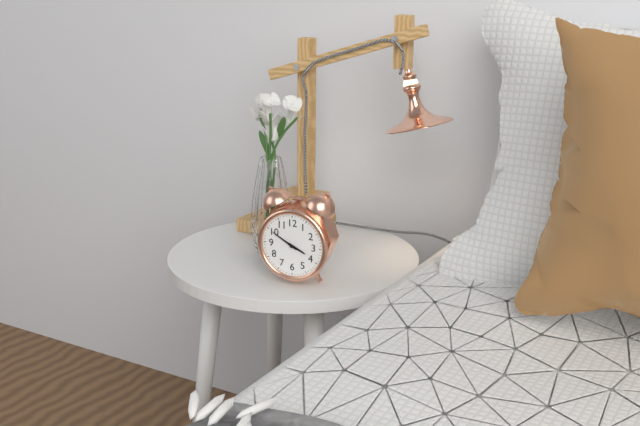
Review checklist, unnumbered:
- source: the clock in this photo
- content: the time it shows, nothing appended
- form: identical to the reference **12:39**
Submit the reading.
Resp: **3:50**
